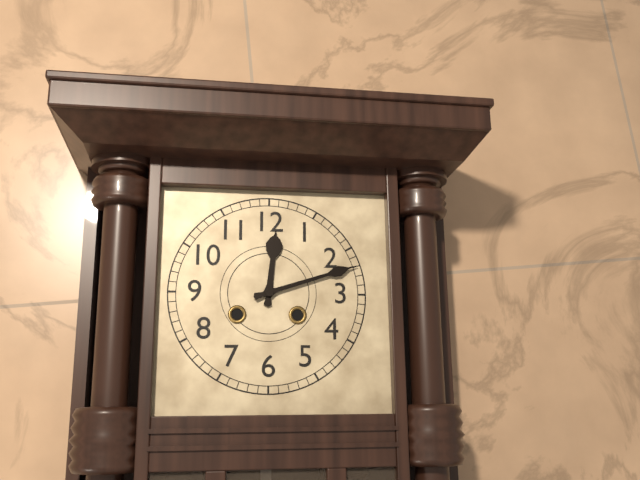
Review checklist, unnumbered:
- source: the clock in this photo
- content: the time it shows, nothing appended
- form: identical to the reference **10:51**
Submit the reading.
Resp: **12:12**
